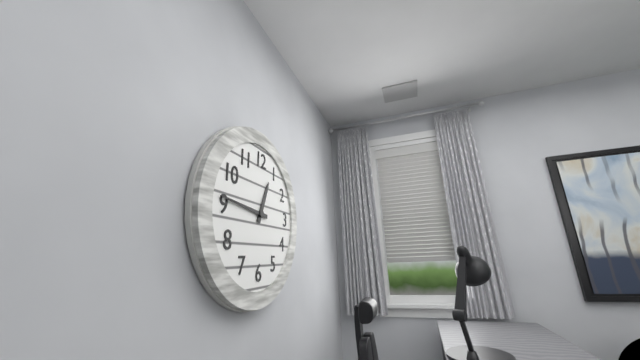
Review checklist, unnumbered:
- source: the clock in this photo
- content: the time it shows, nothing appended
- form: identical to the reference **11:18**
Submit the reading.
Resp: **12:46**
